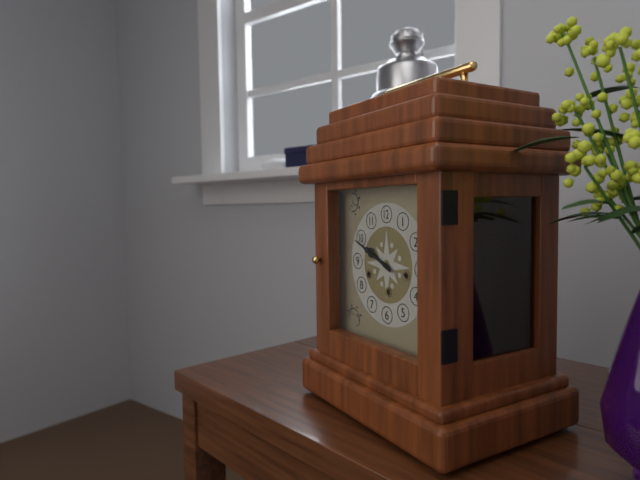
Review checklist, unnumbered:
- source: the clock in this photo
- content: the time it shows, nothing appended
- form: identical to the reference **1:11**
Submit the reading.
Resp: **9:49**
